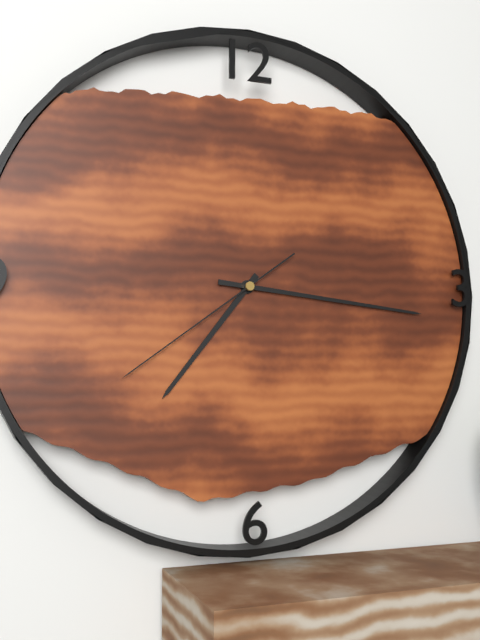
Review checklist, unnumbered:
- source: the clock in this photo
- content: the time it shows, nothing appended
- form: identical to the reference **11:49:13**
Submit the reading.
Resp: **7:16:39**
